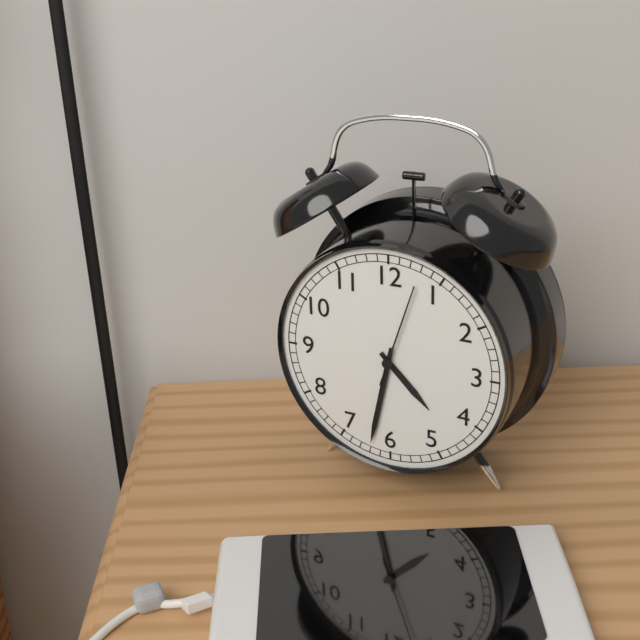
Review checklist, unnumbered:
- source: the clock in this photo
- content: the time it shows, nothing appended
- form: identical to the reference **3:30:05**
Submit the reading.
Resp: **4:32:03**
